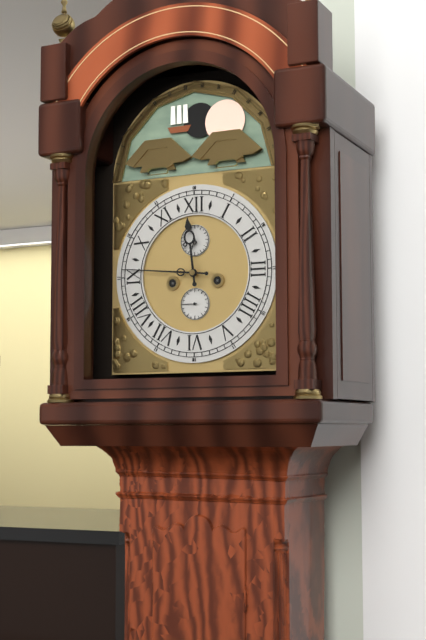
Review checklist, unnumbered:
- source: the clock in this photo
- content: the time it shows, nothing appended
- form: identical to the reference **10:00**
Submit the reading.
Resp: **11:46**
